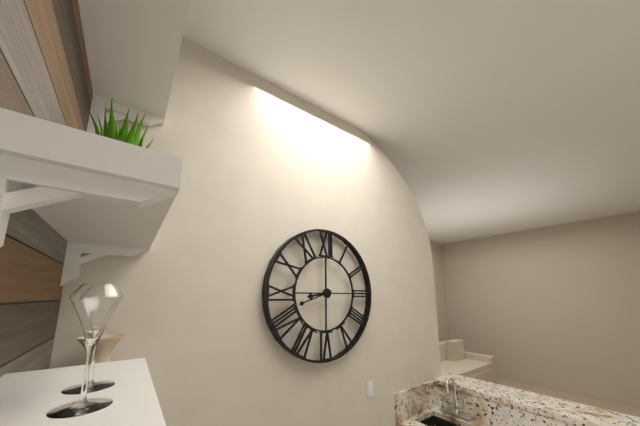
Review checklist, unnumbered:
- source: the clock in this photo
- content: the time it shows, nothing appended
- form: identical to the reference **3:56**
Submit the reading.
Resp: **8:42**
